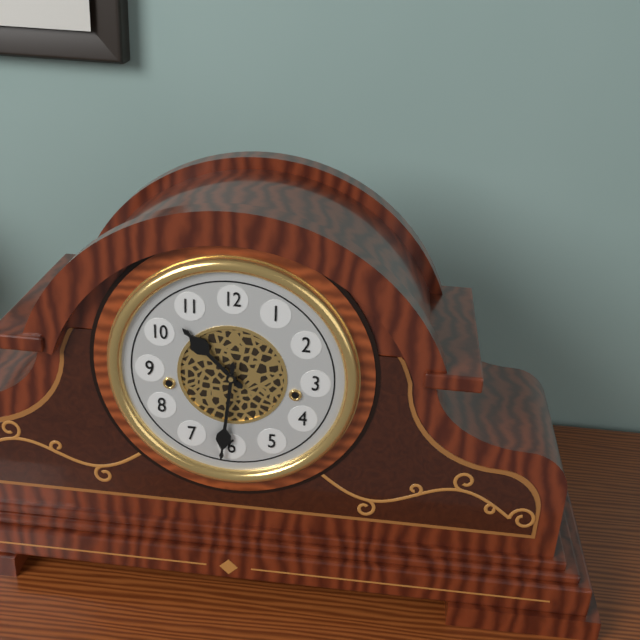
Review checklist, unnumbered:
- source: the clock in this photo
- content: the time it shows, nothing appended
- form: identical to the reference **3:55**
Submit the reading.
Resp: **10:31**
